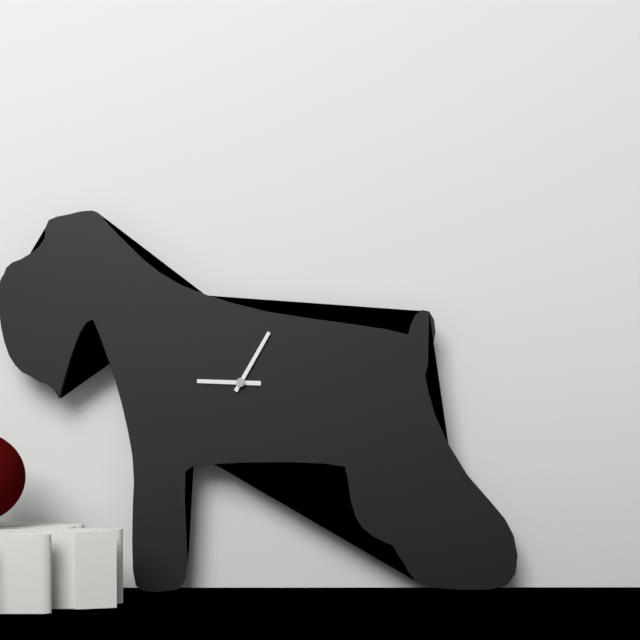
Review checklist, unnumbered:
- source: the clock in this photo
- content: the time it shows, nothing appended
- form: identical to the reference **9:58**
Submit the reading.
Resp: **9:05**
